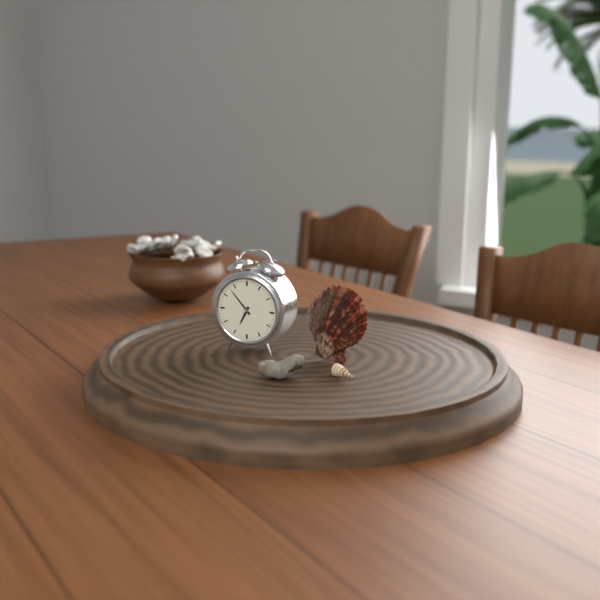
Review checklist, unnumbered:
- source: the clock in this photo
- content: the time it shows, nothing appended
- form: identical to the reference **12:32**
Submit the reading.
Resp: **6:53**
